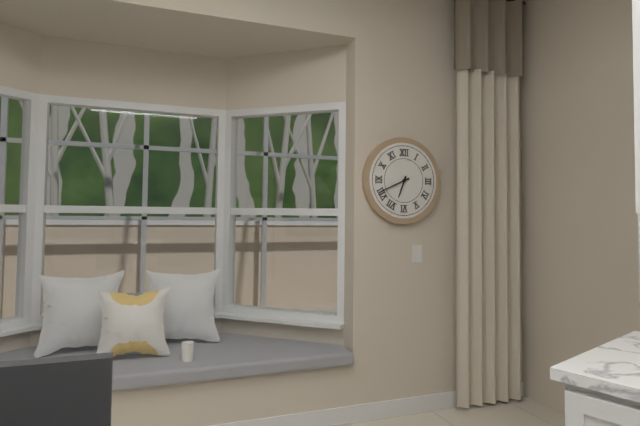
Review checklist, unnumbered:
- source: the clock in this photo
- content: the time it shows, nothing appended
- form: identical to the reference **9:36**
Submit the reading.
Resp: **6:41**
